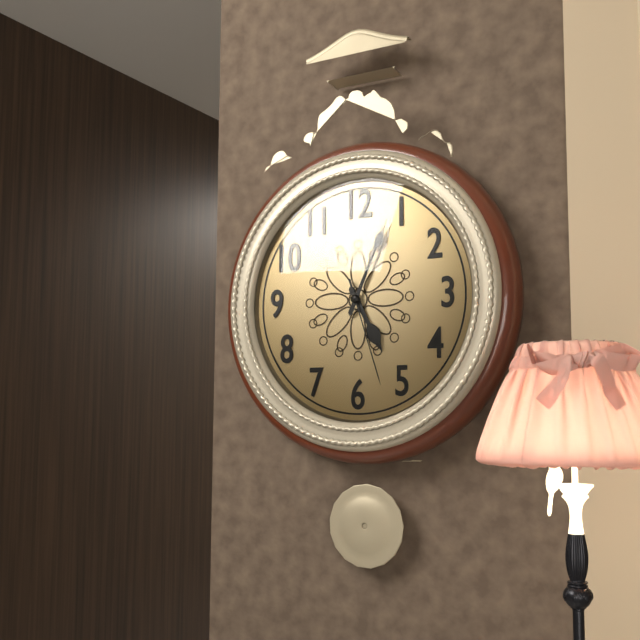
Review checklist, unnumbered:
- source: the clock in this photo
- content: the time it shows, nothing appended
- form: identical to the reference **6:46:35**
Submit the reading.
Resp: **5:04:27**
